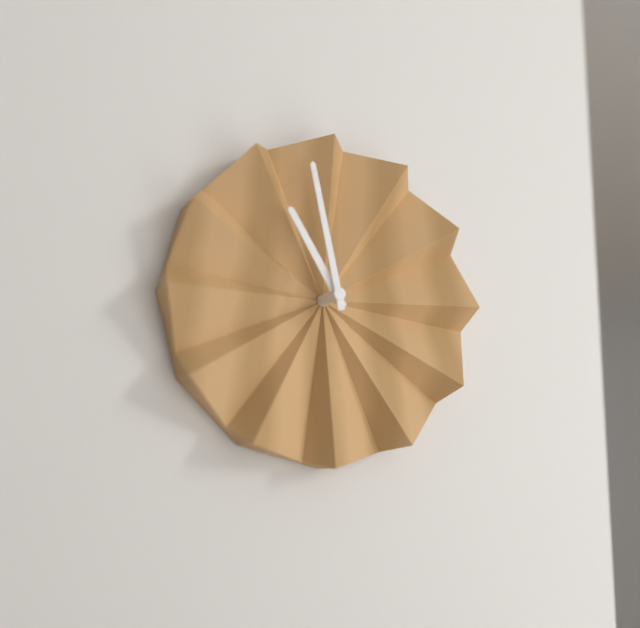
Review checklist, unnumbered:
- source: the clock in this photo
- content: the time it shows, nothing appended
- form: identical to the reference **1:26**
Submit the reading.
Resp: **10:58**
